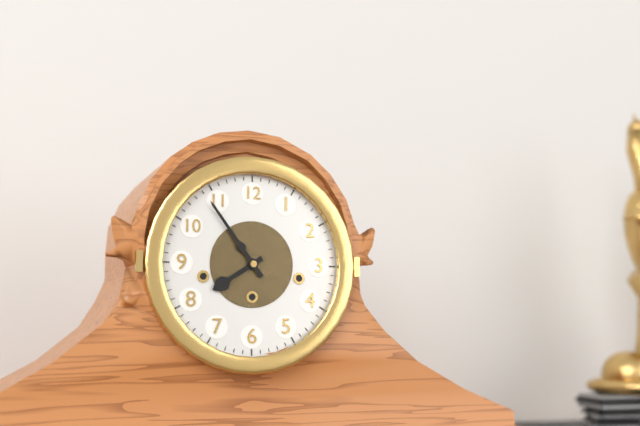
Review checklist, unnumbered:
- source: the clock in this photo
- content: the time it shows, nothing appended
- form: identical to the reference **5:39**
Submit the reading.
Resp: **7:54**
